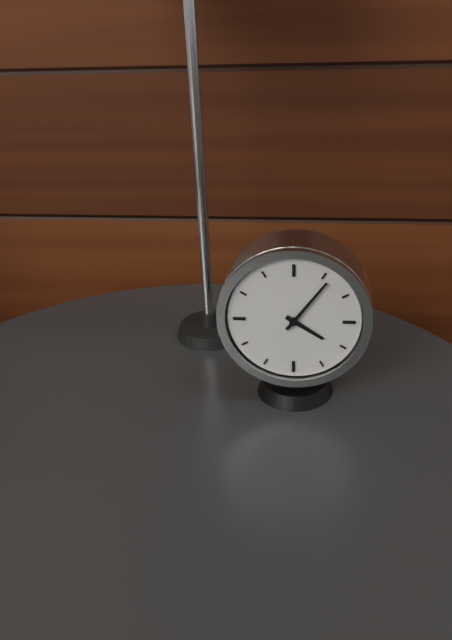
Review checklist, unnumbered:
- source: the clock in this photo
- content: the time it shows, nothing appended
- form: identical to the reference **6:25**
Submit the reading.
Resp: **4:06**
